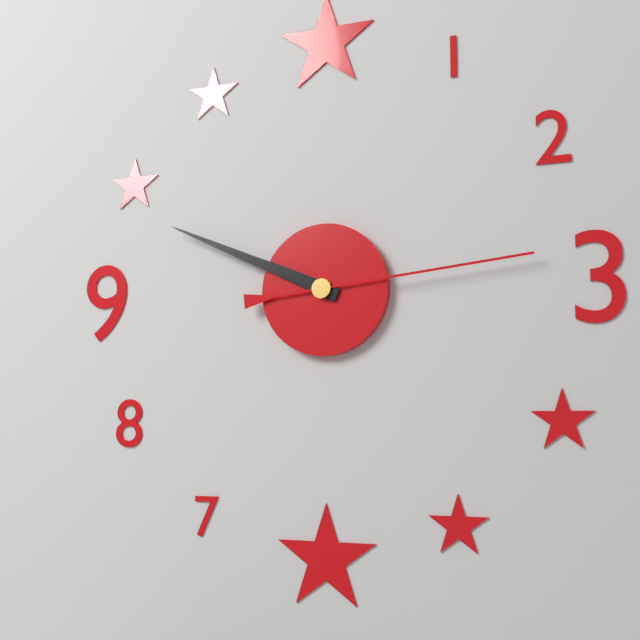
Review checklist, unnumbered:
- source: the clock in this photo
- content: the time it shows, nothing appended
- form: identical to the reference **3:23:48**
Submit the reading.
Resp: **9:49:14**
